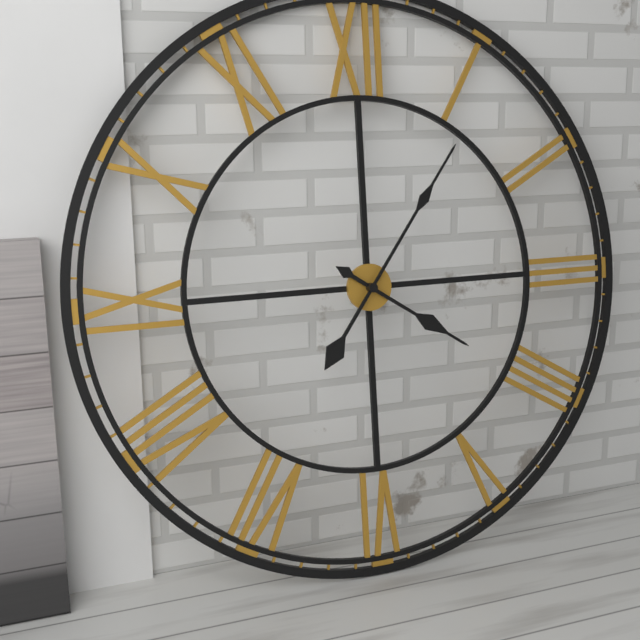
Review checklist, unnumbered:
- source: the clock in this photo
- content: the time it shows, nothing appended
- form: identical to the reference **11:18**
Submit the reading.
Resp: **4:06**
